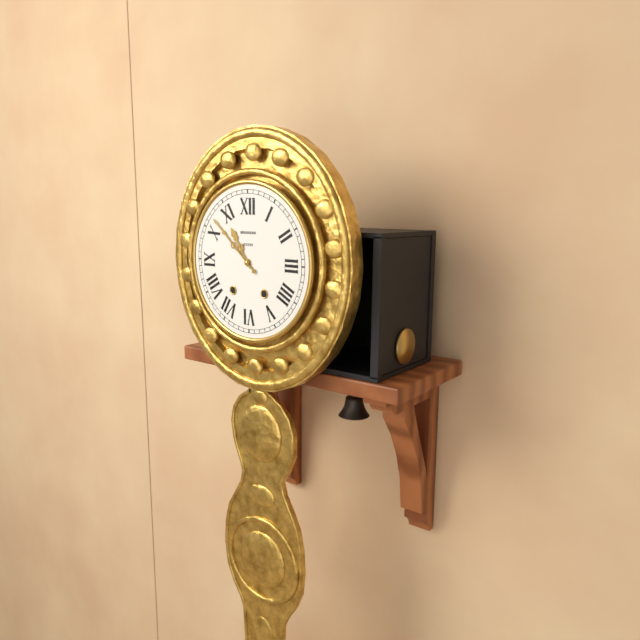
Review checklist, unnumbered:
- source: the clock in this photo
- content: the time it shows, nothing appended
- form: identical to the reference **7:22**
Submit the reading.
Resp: **10:52**
